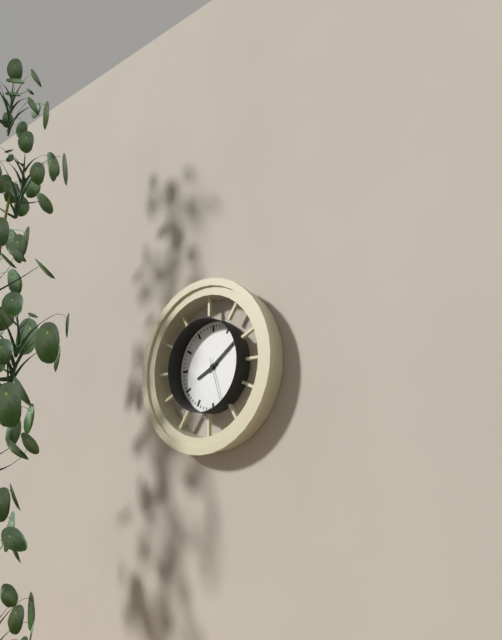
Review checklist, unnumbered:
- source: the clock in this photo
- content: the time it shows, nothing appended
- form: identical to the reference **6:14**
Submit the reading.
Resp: **8:09**
